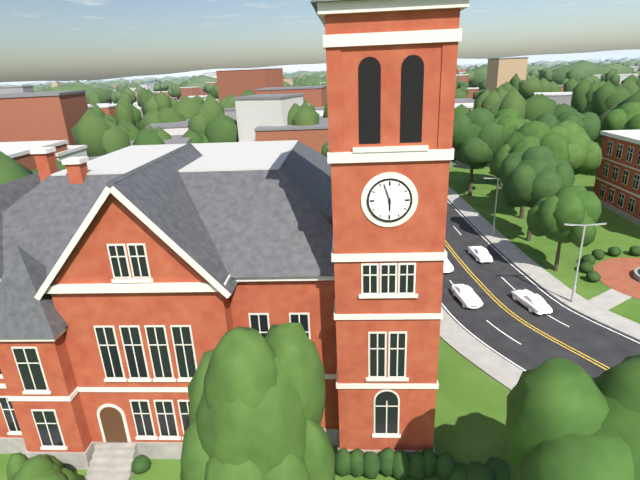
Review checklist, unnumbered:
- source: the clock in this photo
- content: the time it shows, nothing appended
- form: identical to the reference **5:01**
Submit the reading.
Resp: **5:57**
